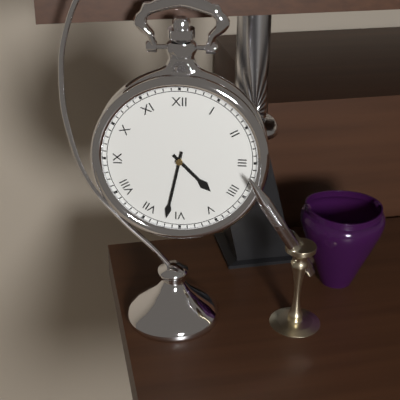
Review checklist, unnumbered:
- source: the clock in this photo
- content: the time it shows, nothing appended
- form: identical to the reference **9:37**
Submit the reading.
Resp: **4:32**
